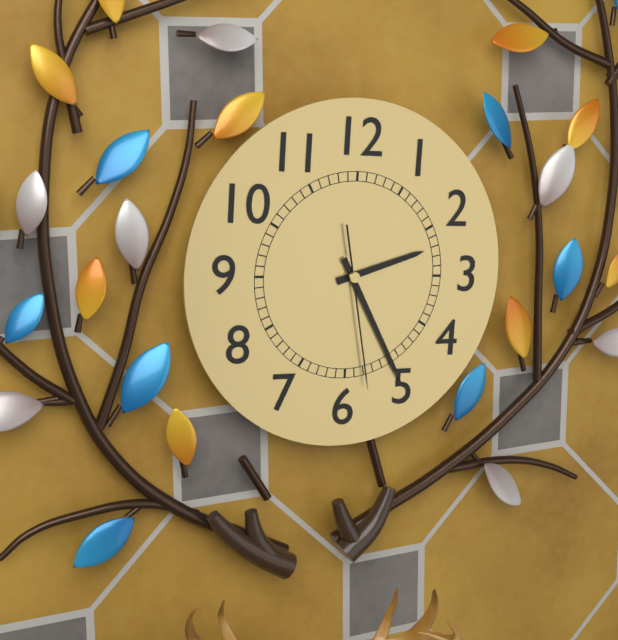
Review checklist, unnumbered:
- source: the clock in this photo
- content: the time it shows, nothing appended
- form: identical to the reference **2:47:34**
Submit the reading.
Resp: **2:25:28**
